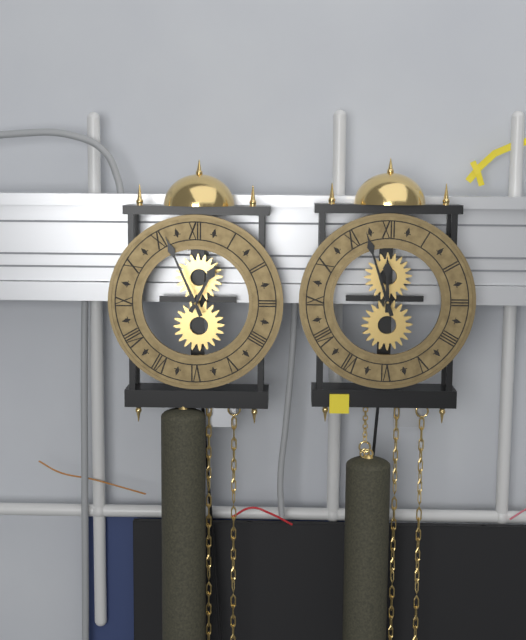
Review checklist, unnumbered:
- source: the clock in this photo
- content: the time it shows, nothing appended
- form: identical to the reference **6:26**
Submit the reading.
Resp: **12:56**
